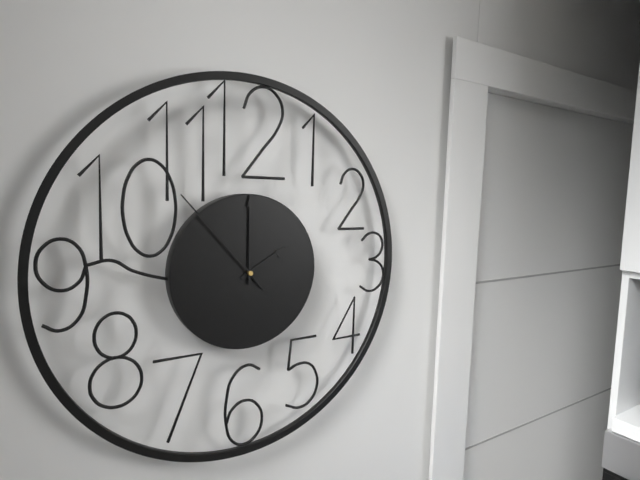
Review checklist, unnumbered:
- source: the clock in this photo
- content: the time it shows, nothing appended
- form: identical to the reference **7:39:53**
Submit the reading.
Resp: **2:00:53**
